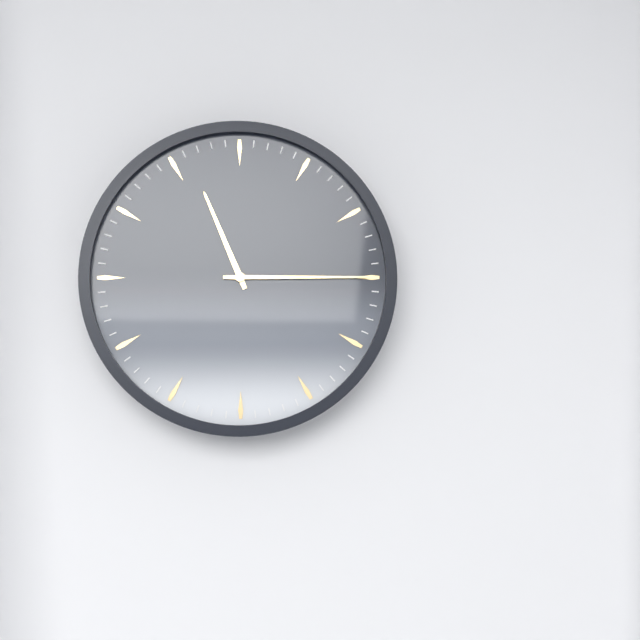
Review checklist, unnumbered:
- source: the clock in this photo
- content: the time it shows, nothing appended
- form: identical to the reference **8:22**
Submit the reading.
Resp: **11:15**
